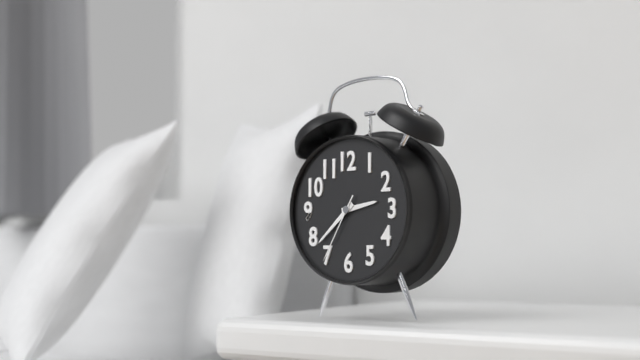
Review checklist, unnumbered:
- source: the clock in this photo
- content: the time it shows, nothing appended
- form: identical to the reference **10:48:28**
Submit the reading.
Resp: **2:38:35**
